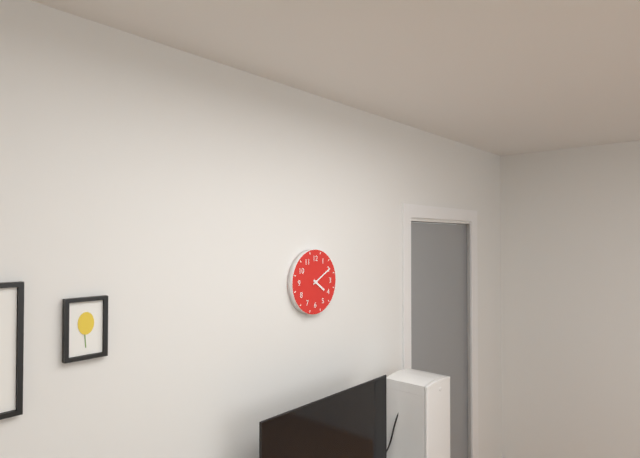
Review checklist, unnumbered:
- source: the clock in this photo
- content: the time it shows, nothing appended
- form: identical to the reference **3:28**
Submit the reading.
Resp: **4:10**
